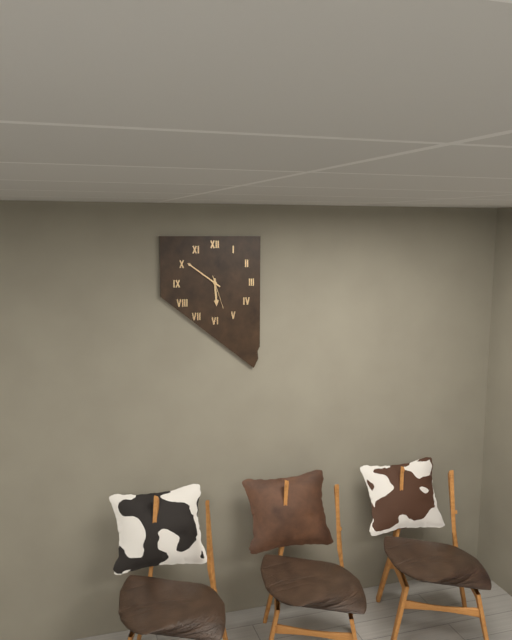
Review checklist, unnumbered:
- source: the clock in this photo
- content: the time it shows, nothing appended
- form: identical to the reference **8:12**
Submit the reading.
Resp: **5:51**
